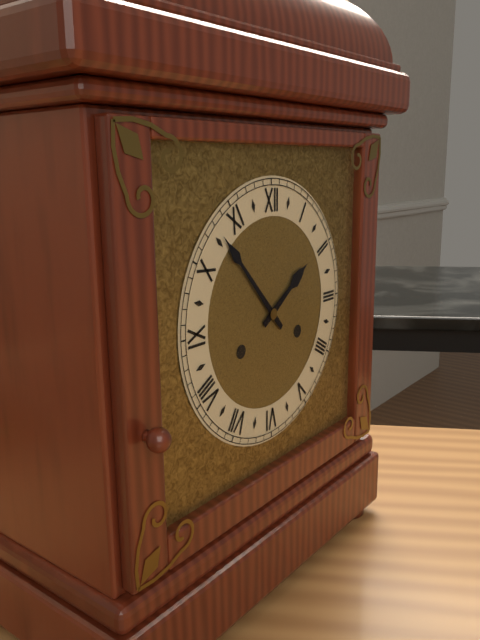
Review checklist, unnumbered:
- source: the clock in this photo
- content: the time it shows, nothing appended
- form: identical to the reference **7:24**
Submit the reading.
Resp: **1:53**
